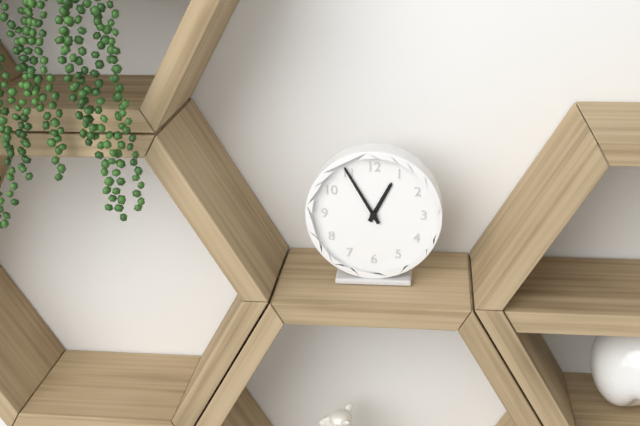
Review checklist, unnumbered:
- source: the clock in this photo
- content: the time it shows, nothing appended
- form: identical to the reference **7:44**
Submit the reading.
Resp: **12:55**
